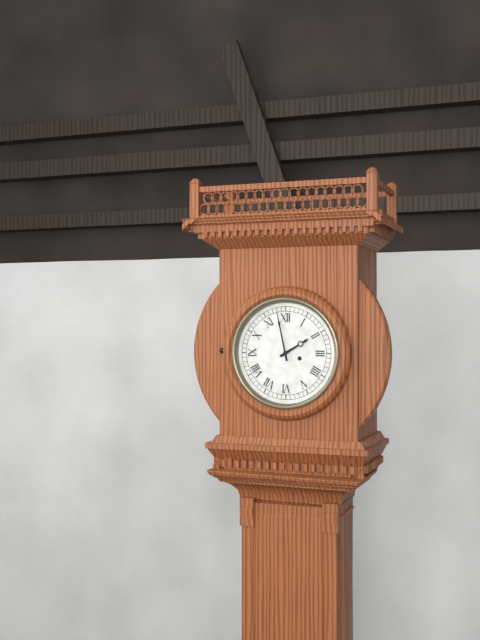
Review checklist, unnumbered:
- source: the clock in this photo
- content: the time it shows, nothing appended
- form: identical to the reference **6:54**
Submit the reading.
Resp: **1:58**
